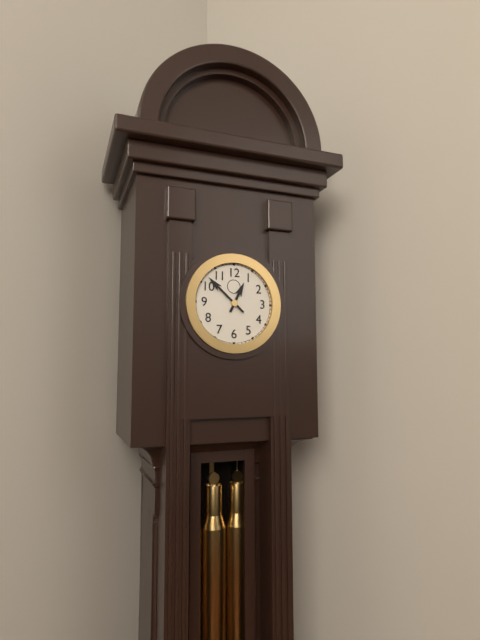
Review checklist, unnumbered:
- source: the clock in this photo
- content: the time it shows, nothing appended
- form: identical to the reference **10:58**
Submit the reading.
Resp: **12:52**
